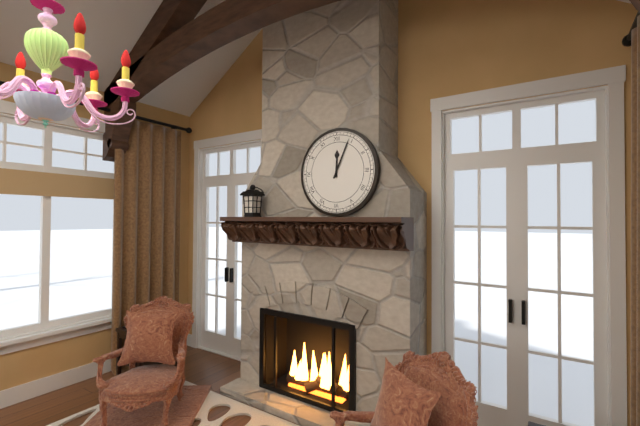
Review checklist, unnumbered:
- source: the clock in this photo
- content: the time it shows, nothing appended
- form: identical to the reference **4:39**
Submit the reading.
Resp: **12:04**
